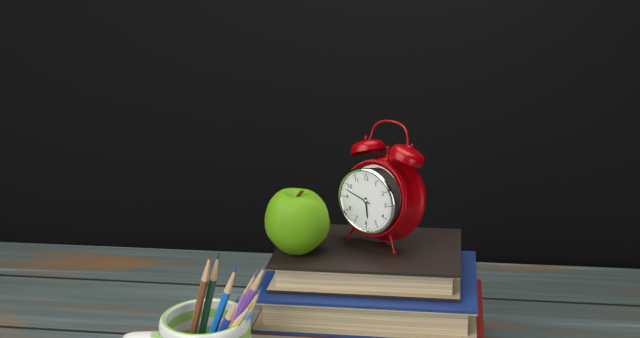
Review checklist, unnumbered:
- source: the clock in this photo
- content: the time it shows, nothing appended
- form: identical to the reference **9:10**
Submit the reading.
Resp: **5:48**
